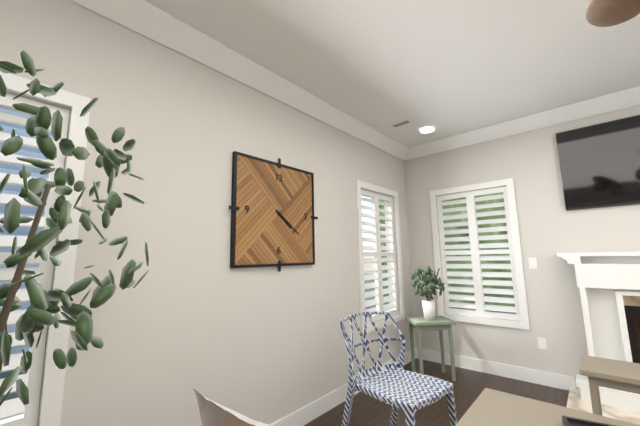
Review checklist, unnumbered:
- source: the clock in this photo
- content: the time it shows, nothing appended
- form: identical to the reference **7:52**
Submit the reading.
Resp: **4:21**
